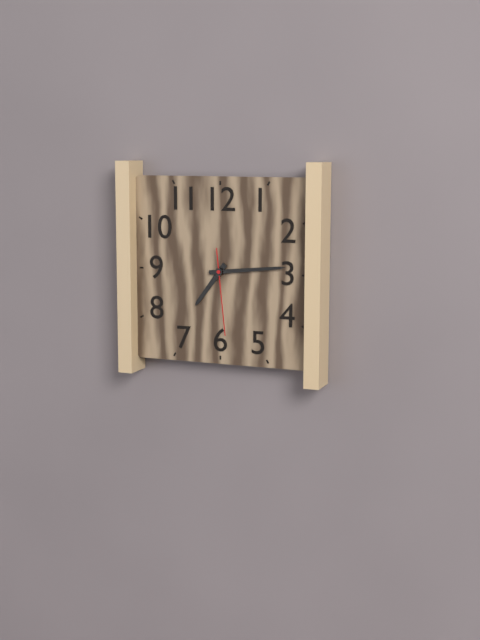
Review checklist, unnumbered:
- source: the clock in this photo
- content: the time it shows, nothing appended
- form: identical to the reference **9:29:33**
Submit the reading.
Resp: **7:14:29**
